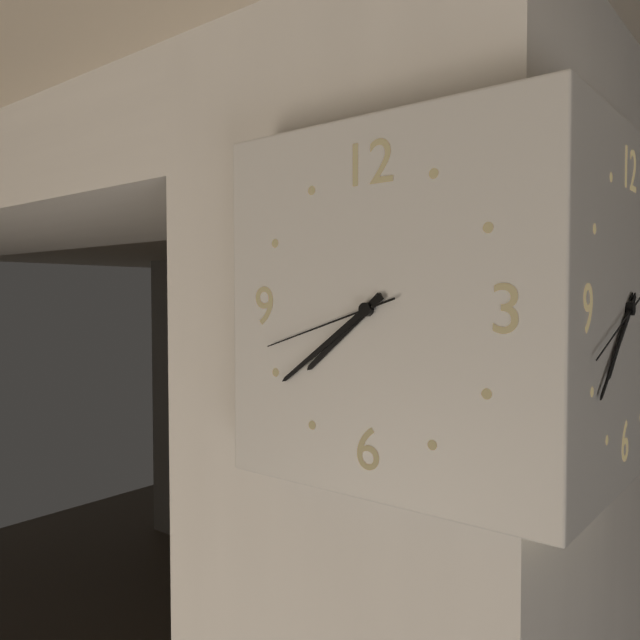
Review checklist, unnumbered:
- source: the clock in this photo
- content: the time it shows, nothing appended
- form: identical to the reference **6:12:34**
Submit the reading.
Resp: **7:39:42**
